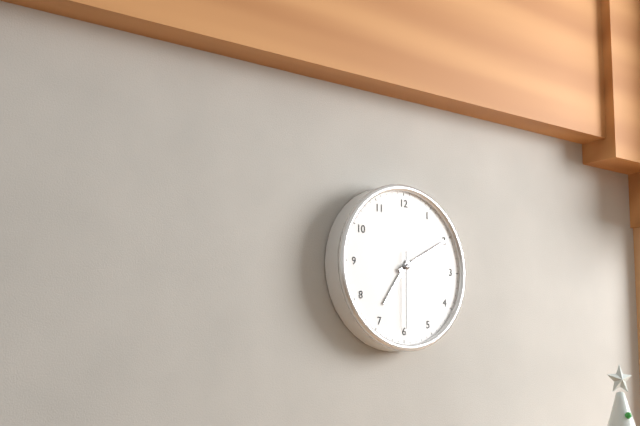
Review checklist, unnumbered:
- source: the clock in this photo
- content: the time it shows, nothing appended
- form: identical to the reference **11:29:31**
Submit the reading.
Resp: **7:10:30**
